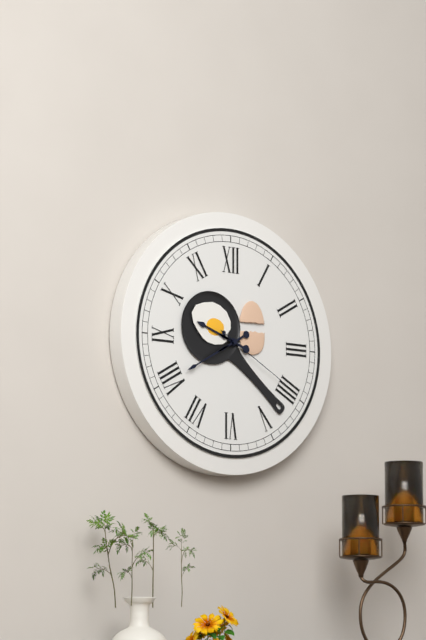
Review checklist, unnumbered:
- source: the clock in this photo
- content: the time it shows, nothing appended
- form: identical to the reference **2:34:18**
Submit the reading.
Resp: **9:40:20**
